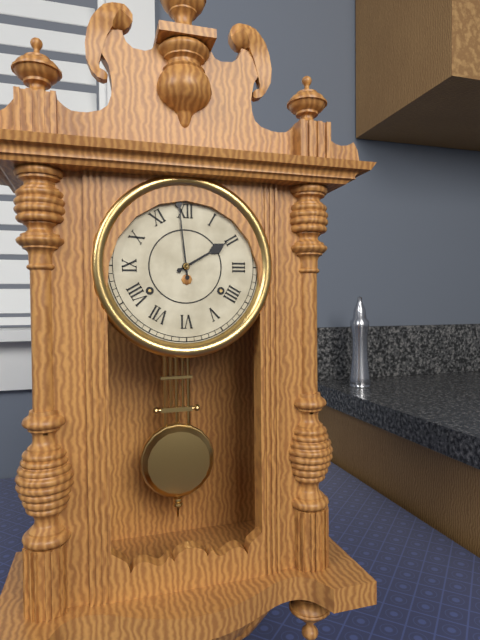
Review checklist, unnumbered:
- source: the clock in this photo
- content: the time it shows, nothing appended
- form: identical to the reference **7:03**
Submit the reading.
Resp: **1:59**
